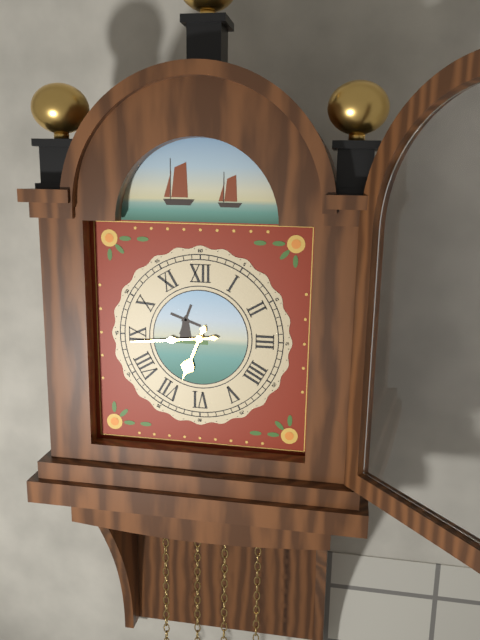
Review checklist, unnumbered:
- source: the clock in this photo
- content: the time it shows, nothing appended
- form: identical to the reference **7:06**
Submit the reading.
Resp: **6:44**
